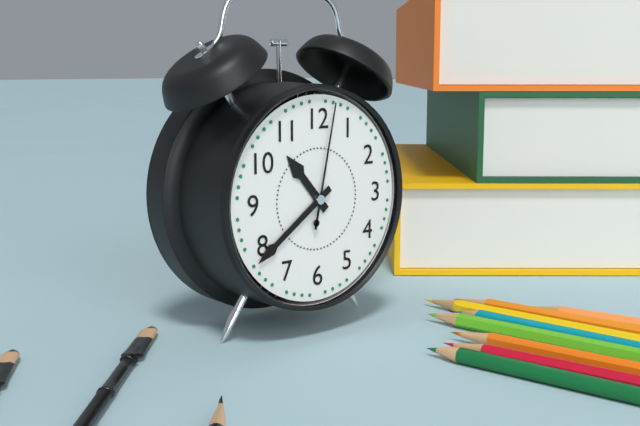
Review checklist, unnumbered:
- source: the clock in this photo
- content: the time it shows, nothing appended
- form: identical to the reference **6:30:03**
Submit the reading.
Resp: **10:39:02**
